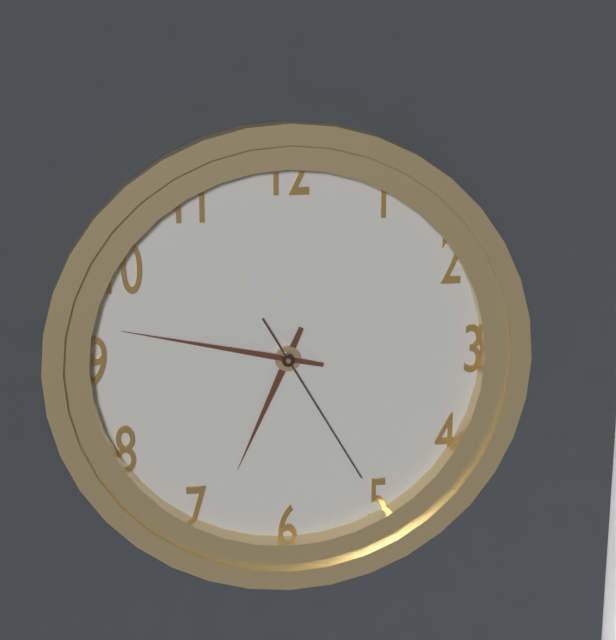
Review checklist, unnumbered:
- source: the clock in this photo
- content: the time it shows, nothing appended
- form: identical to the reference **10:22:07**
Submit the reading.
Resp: **6:47:25**
